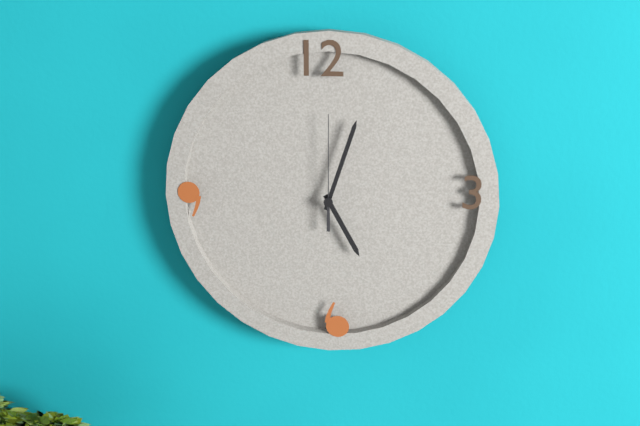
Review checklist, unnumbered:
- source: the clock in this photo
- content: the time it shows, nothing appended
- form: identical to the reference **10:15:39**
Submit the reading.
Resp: **5:03:00**
